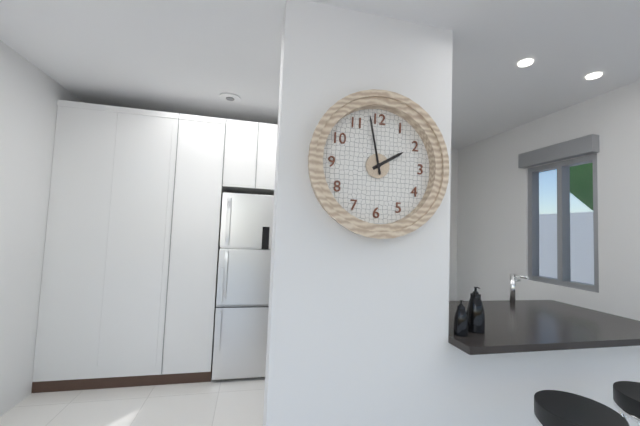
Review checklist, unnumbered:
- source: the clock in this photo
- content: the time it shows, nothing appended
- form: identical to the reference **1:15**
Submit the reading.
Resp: **1:58**
